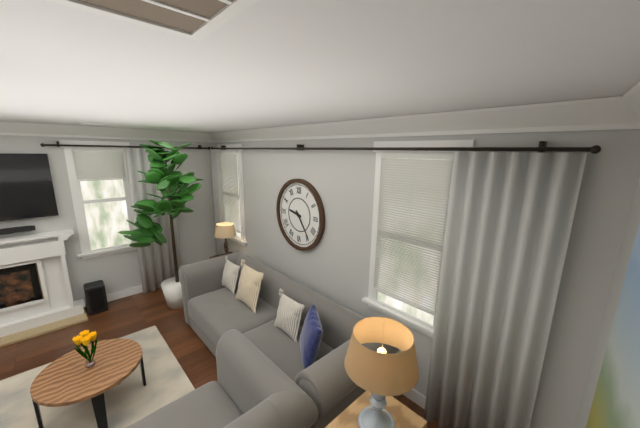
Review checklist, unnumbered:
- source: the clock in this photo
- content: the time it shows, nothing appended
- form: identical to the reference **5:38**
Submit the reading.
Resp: **9:24**
